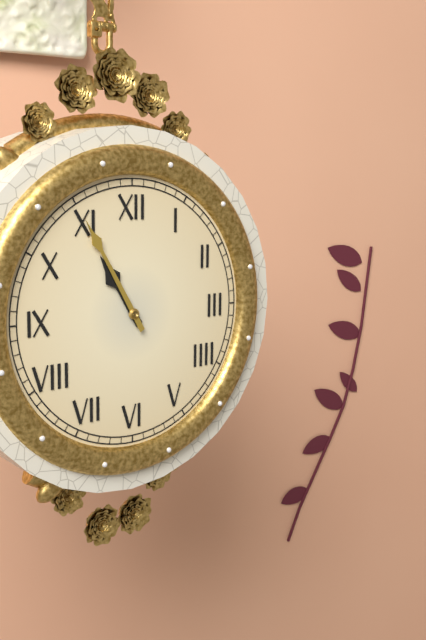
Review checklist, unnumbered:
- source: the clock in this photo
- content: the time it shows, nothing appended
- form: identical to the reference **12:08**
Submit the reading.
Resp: **10:55**
